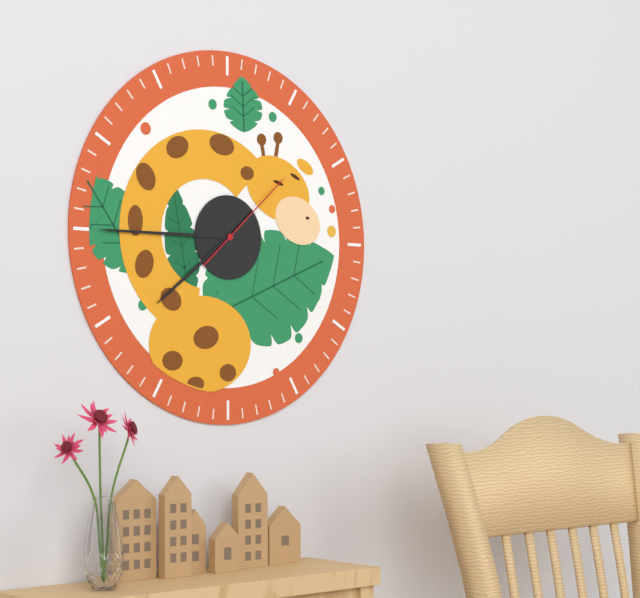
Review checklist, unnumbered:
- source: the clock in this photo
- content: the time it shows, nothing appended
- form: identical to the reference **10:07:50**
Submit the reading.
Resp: **7:45:08**
